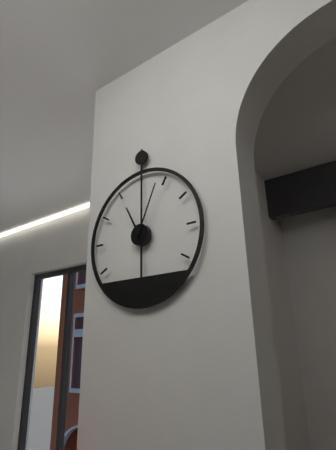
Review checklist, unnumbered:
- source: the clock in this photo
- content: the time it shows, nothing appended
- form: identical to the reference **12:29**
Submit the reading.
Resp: **11:04**
